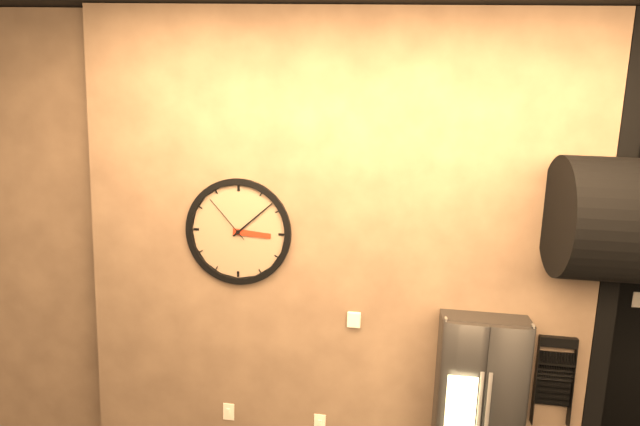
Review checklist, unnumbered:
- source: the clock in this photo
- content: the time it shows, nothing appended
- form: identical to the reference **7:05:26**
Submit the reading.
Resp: **3:08:53**
